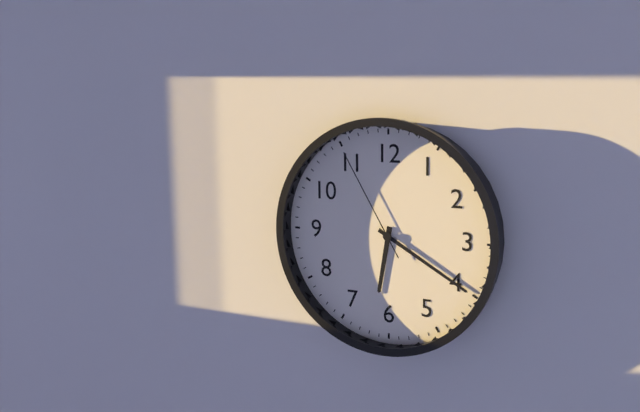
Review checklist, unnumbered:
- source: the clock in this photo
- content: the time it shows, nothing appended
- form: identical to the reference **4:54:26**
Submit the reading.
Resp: **6:20:55**
